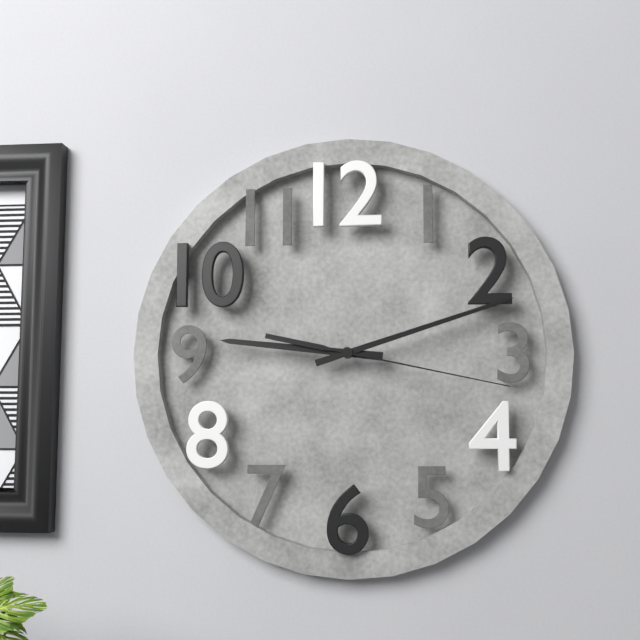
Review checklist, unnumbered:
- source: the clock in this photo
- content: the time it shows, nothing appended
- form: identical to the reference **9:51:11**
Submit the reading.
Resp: **9:12:17**
